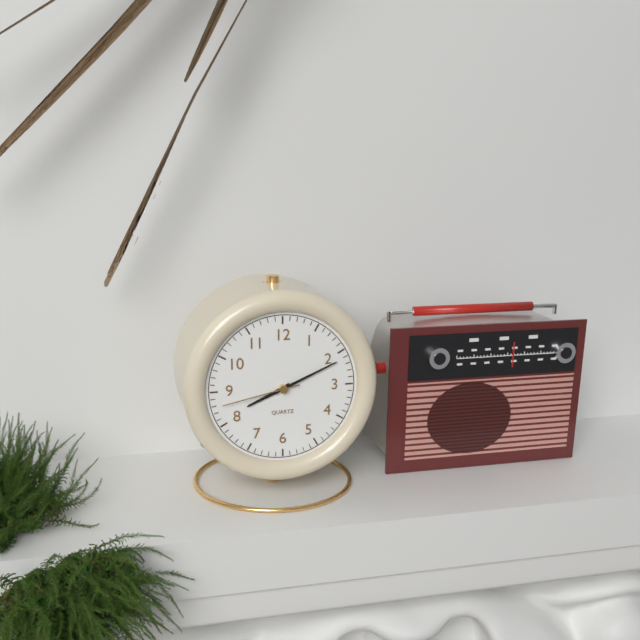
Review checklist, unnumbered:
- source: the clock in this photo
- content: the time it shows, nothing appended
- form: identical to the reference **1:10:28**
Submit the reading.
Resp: **8:11:43**
